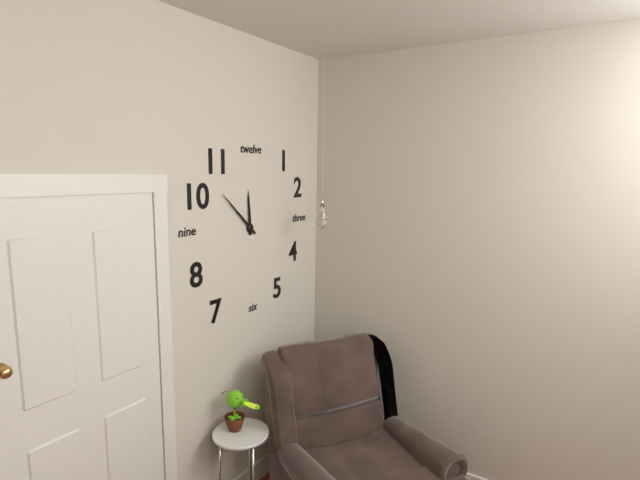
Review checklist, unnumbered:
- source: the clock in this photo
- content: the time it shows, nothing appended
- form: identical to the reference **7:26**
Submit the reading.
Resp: **11:52**
